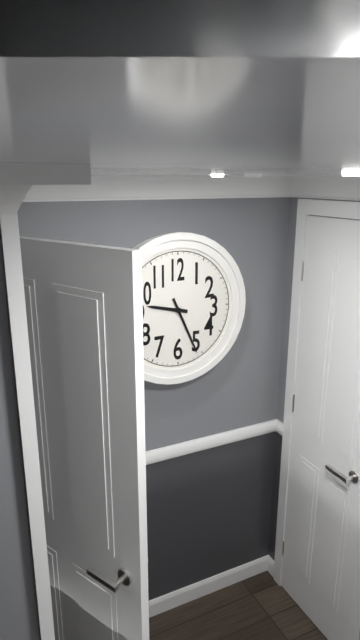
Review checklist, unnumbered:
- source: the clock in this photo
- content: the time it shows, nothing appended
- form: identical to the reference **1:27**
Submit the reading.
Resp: **9:26**
